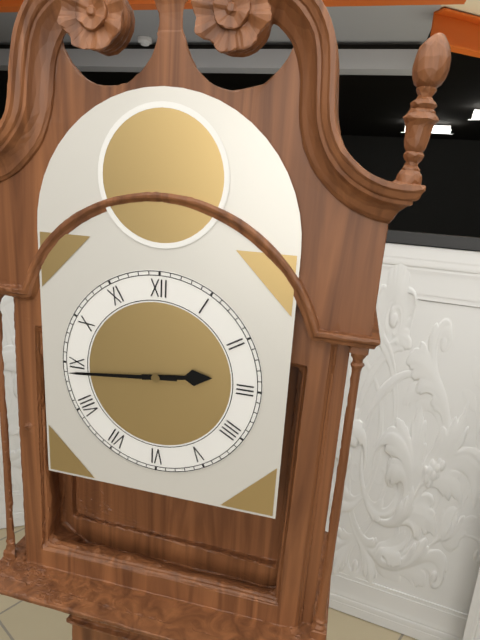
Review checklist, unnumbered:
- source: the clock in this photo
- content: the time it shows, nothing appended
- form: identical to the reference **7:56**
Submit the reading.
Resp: **2:44**
